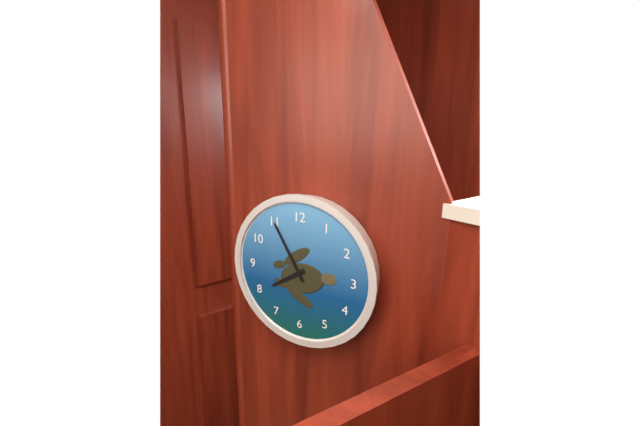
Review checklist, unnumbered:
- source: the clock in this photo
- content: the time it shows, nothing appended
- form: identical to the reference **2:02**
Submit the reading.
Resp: **7:55**
